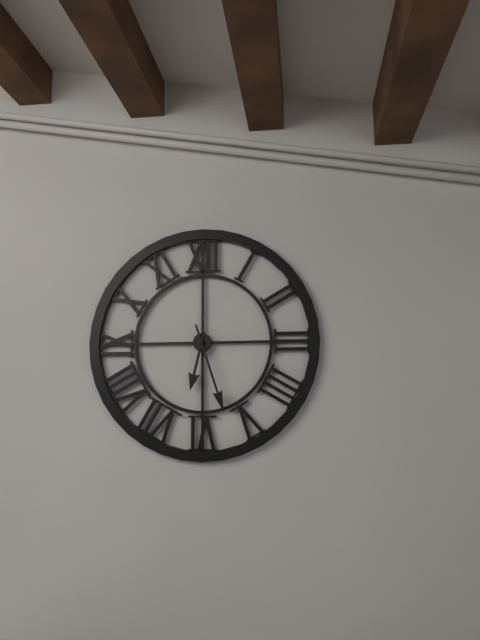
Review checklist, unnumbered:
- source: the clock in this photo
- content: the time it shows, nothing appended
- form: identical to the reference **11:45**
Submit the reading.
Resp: **6:27**
